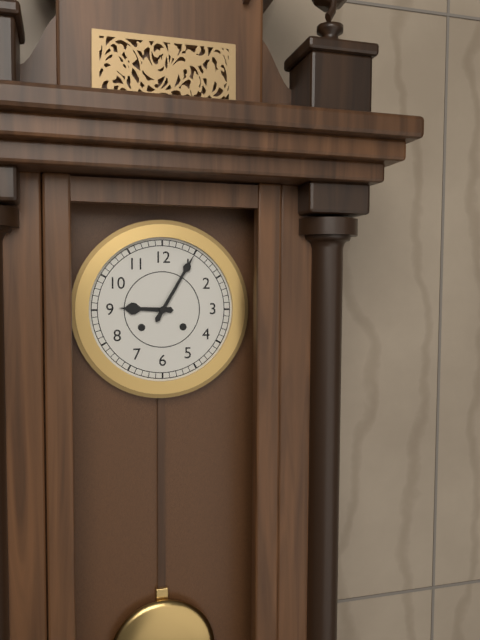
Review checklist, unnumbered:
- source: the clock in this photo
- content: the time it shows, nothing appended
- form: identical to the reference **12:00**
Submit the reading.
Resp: **9:05**
